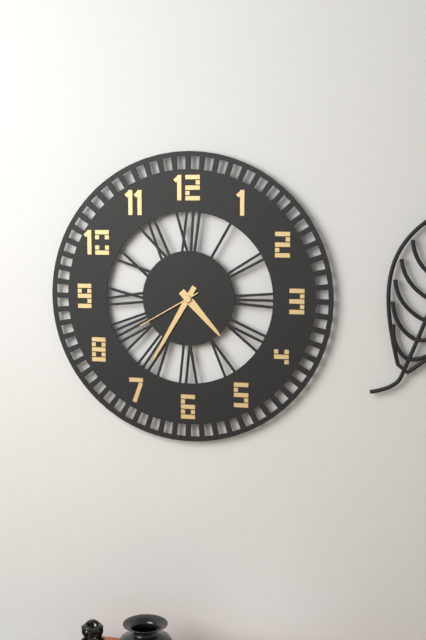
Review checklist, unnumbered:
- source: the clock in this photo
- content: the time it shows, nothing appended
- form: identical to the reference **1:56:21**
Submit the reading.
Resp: **4:35:40**
